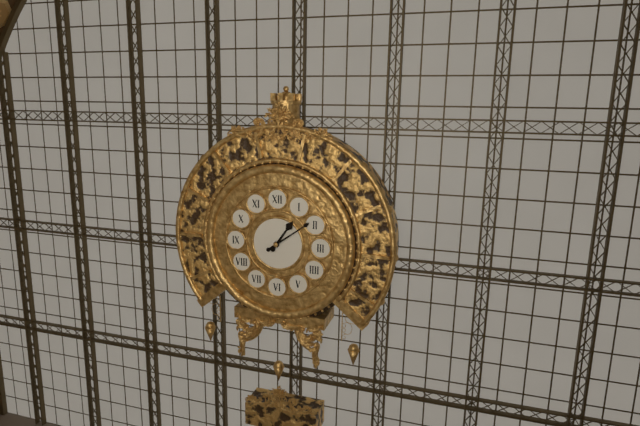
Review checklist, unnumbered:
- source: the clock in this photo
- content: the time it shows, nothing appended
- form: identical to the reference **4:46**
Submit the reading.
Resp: **1:09**
